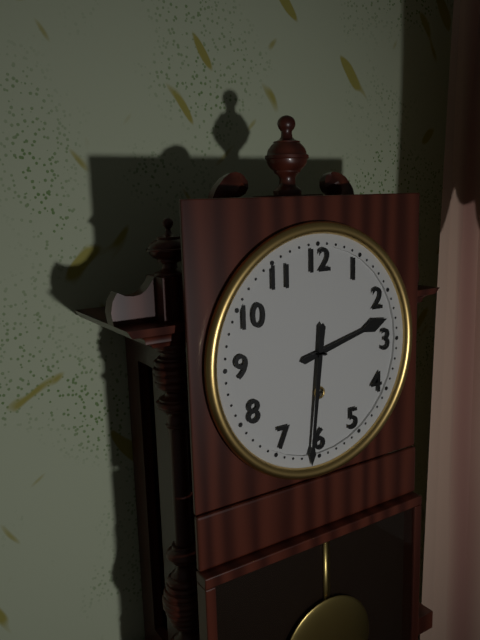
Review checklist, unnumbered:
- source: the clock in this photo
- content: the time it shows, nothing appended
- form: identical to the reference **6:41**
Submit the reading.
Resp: **2:31**
